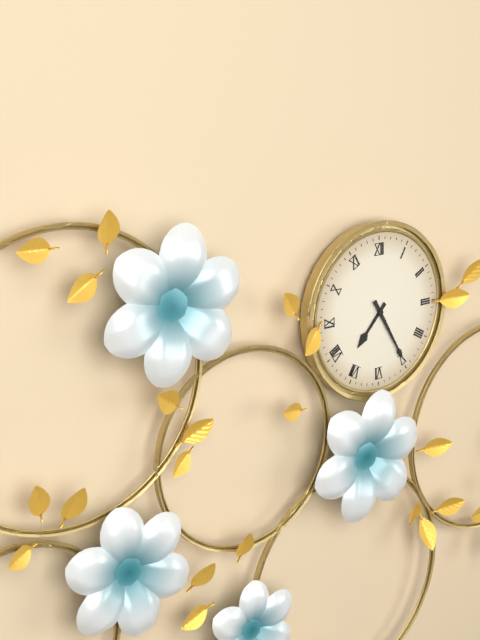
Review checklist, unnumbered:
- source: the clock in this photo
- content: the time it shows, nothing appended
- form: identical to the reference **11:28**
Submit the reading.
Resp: **7:25**
